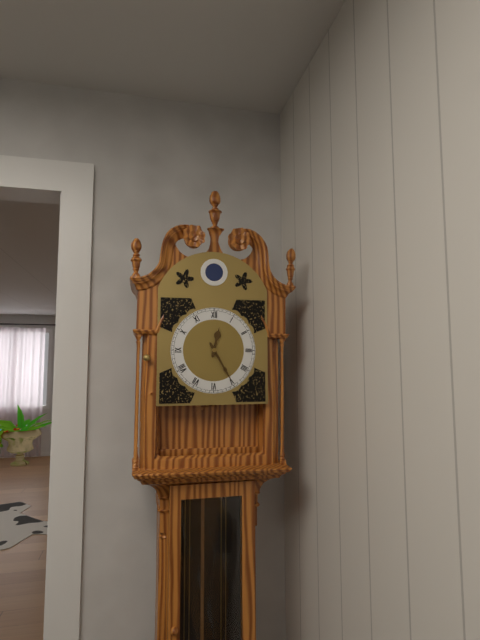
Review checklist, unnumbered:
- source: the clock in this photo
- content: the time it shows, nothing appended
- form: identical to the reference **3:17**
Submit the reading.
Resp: **12:25**
